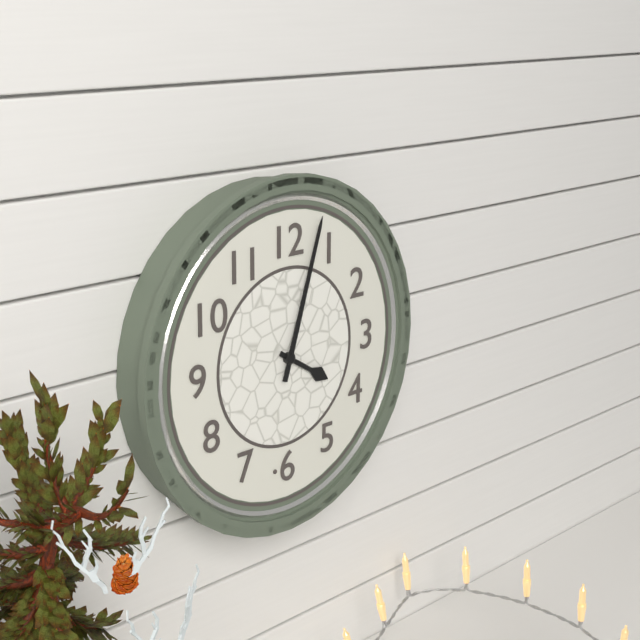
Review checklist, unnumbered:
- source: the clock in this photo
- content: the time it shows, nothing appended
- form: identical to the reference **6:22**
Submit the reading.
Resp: **4:03**
